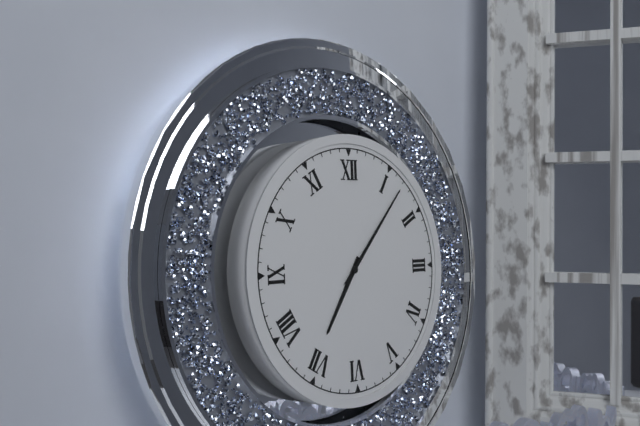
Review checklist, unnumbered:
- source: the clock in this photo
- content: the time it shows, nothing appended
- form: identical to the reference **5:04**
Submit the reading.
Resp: **7:07**
